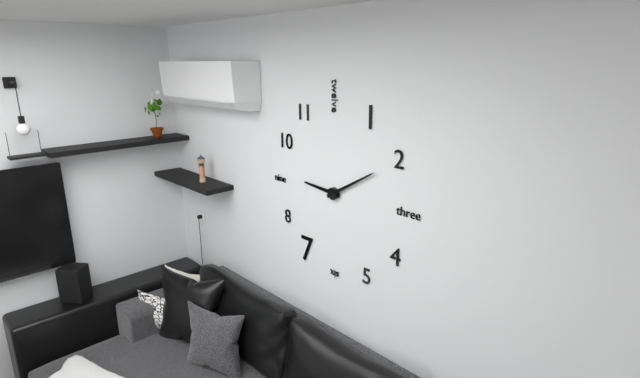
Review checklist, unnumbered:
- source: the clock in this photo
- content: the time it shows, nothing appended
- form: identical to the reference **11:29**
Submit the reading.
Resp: **9:10**
